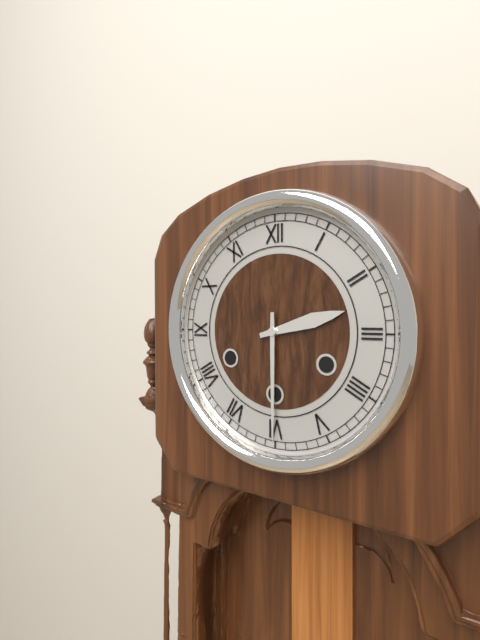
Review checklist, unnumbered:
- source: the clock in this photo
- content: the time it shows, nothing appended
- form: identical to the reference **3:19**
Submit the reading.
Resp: **2:30**
